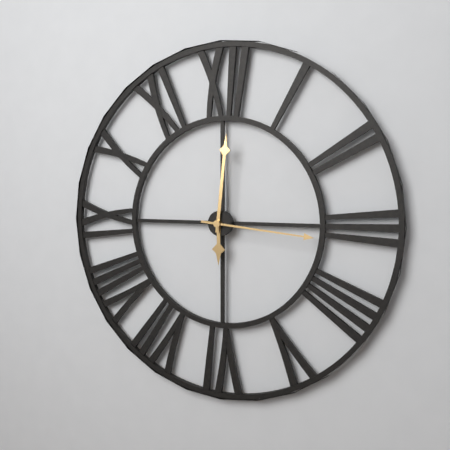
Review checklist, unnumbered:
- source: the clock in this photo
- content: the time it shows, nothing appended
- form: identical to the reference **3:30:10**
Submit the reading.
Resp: **6:01:16**
